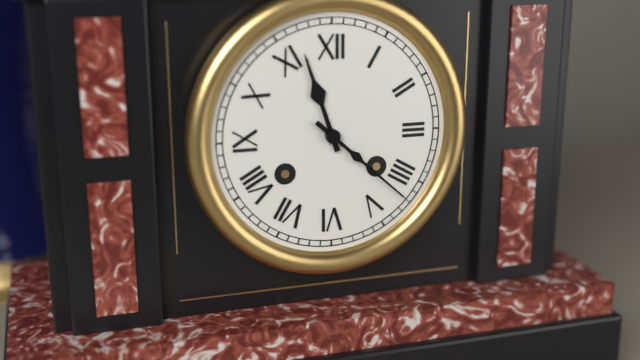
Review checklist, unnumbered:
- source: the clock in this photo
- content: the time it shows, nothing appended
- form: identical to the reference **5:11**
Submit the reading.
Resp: **11:22**
